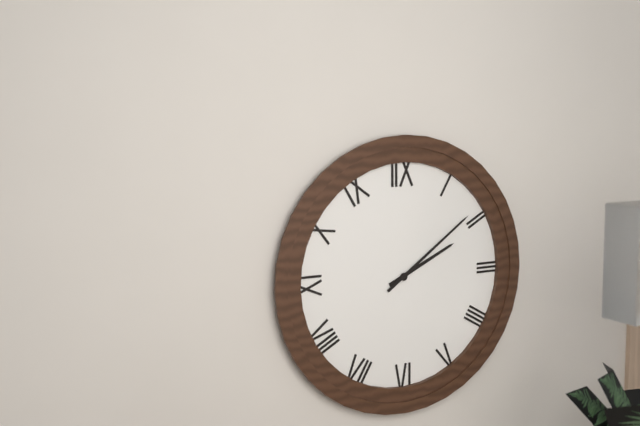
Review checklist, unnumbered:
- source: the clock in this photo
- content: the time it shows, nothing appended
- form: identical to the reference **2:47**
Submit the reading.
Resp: **2:09**
